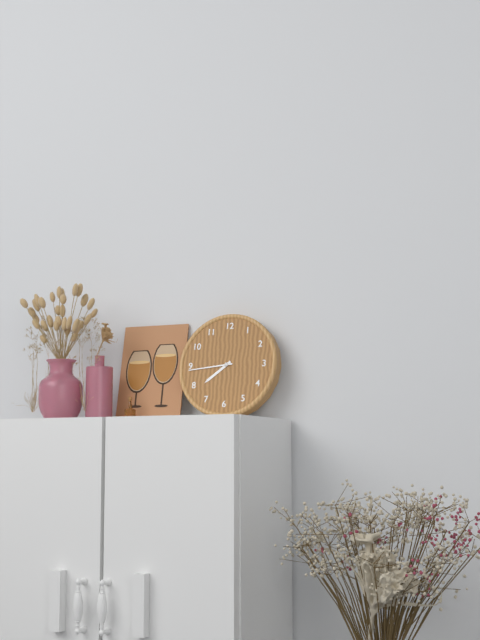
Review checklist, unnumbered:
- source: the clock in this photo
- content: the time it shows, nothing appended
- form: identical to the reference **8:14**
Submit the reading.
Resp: **7:44**
